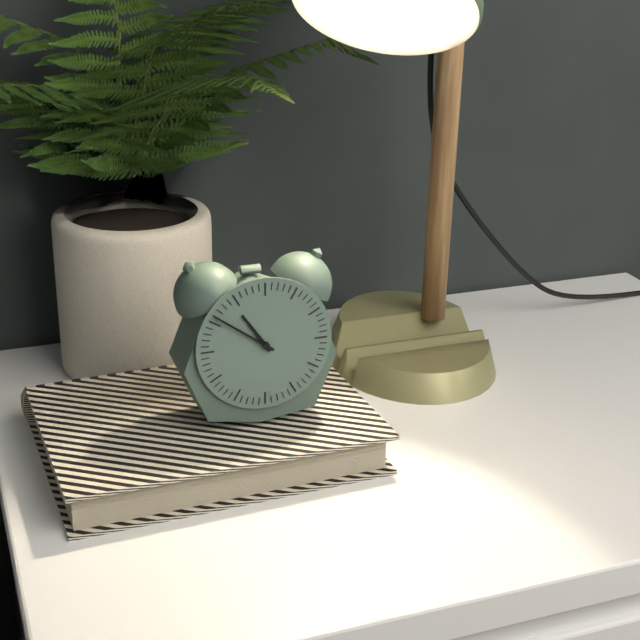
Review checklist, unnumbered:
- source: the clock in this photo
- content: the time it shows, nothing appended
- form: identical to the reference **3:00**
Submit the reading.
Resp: **10:51**
